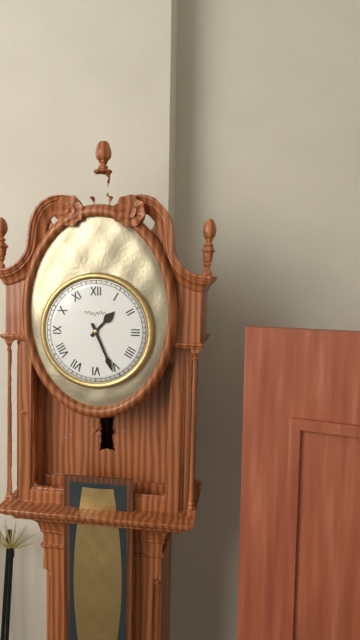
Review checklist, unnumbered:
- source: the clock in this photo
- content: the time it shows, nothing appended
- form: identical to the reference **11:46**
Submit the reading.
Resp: **1:26**
